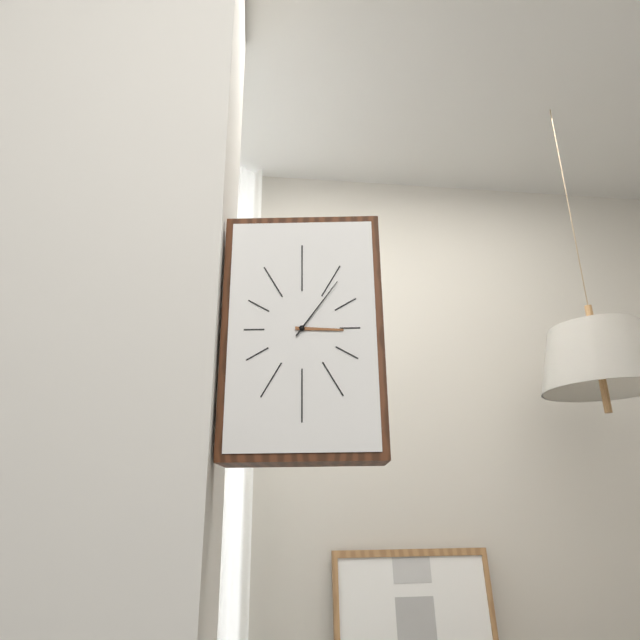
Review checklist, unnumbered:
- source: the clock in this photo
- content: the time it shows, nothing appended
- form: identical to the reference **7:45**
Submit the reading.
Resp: **3:06**
